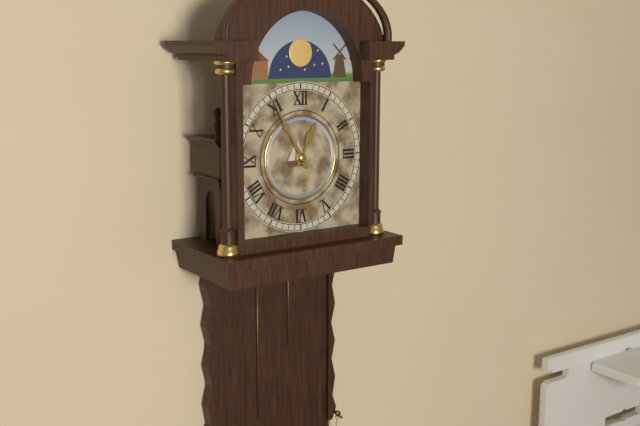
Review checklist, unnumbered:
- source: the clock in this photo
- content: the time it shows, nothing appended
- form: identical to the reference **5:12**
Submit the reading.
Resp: **12:55**
